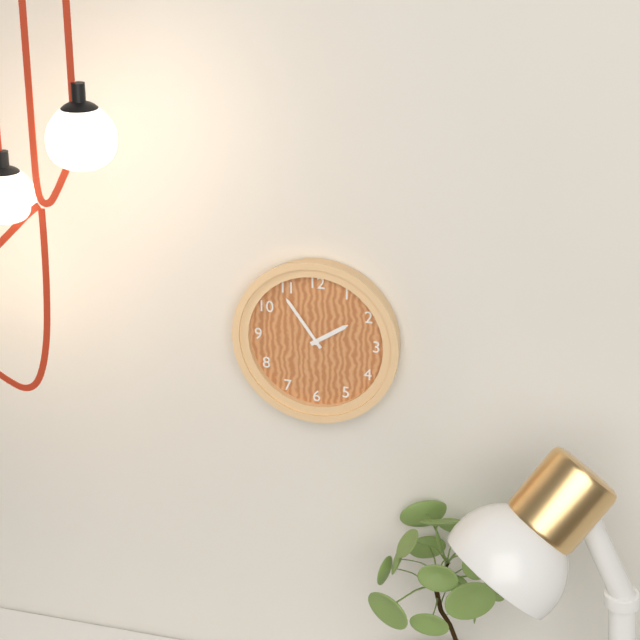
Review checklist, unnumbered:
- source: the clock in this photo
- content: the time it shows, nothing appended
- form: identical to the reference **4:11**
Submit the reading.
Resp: **1:54**
